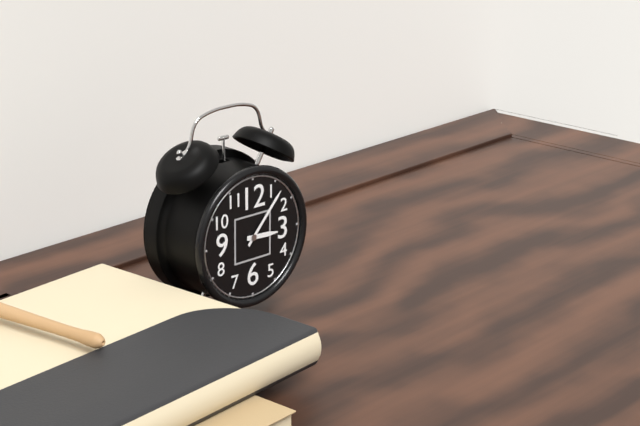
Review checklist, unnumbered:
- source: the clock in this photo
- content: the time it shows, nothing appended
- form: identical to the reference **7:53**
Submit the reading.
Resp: **3:07**
